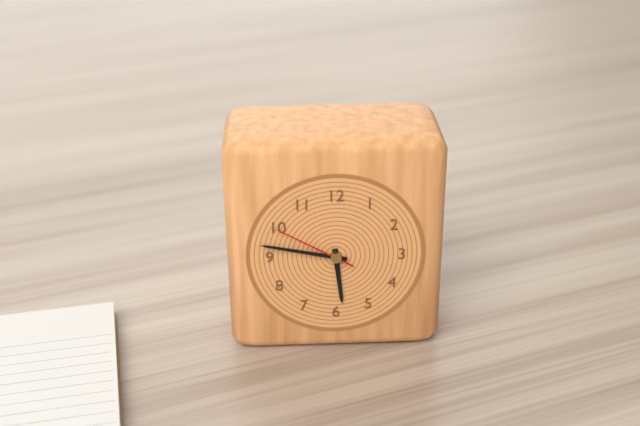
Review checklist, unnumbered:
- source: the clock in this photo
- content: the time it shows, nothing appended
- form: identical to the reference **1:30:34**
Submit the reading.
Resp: **5:47:50**
